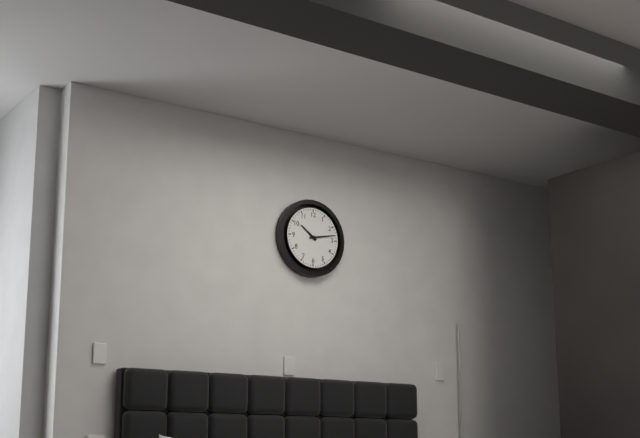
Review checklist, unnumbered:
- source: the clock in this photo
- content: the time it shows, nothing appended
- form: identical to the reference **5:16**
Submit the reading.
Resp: **10:13**
